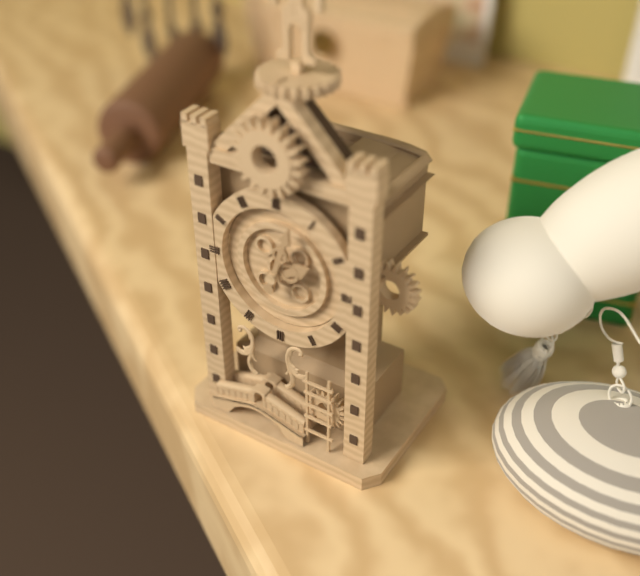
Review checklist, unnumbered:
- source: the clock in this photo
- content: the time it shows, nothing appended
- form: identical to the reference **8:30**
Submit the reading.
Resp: **2:03**
